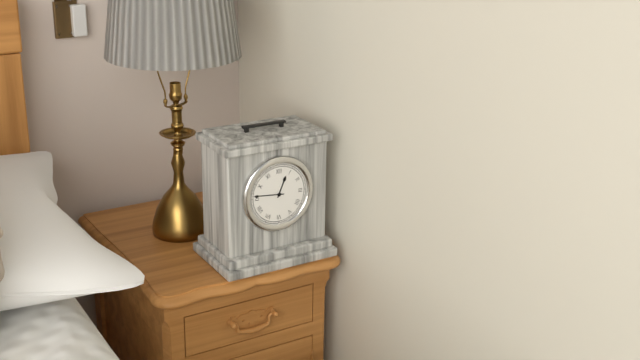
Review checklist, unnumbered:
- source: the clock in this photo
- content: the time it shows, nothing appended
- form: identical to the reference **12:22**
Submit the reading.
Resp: **12:46**
